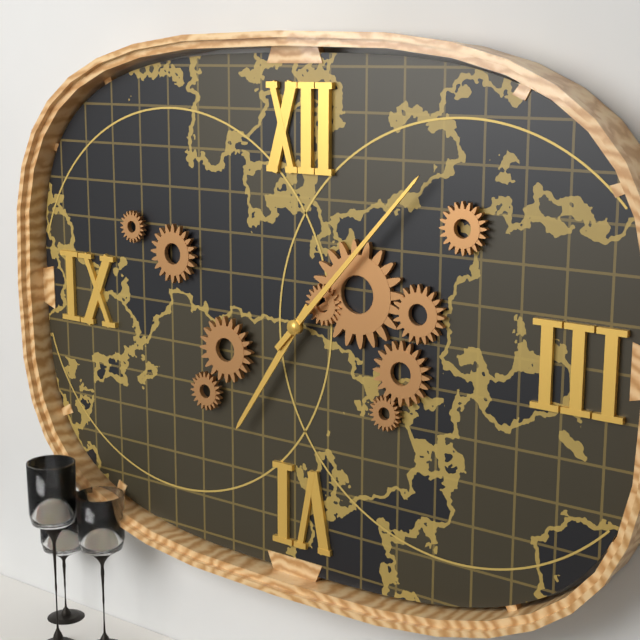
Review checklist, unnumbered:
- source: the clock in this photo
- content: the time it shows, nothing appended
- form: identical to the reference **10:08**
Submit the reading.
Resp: **7:07**
